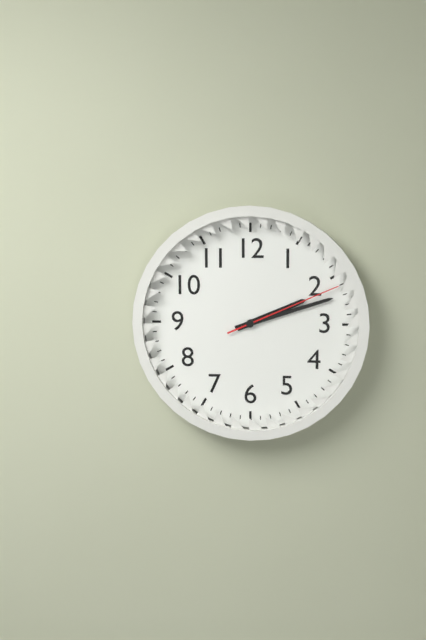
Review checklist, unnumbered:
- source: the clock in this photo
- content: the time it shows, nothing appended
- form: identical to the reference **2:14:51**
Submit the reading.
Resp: **2:12:11**
